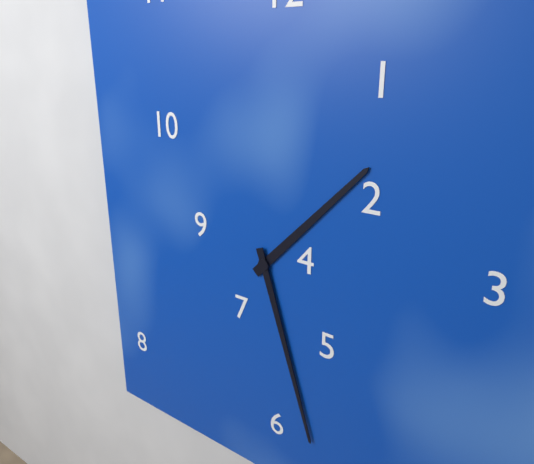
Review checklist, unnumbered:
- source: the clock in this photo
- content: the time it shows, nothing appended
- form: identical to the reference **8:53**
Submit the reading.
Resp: **1:27**
